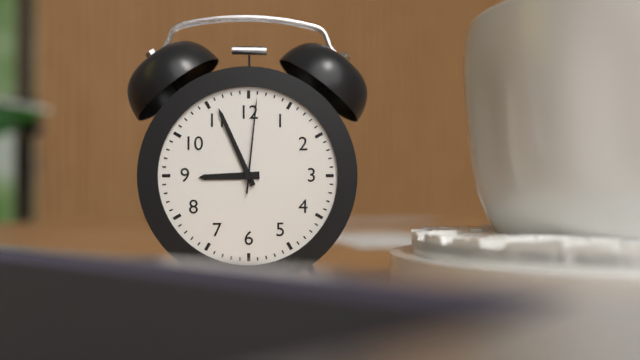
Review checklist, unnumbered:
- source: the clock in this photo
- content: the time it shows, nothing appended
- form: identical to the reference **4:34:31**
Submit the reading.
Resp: **8:56:01**
